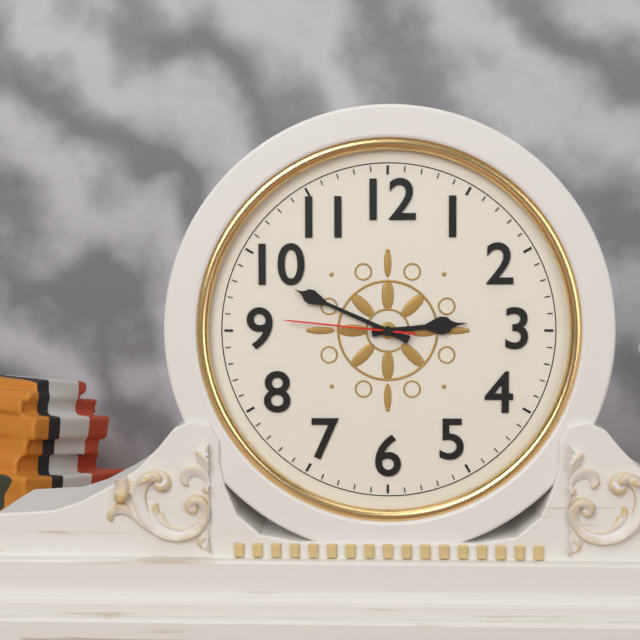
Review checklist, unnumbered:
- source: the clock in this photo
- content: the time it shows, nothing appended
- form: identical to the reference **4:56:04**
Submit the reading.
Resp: **2:49:46**
